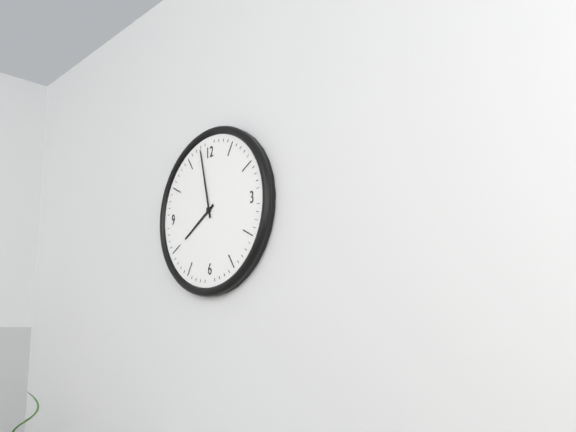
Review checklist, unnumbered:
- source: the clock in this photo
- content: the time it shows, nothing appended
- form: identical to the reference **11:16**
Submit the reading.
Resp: **7:58**
